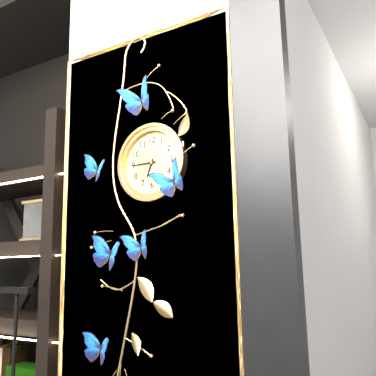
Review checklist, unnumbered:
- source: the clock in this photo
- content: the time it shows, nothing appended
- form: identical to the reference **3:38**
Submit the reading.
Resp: **6:45**
